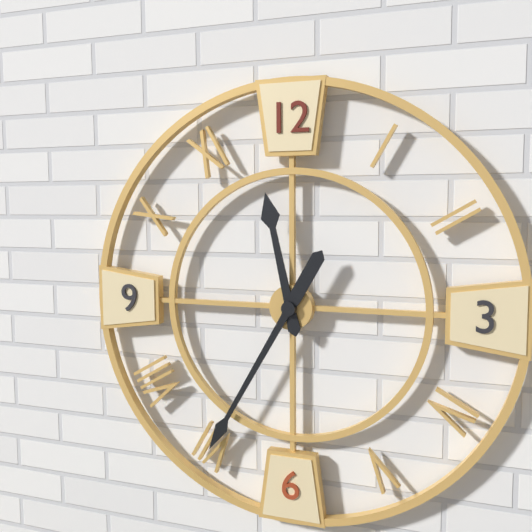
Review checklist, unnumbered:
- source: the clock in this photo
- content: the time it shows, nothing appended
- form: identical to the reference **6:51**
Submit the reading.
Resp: **11:35**
